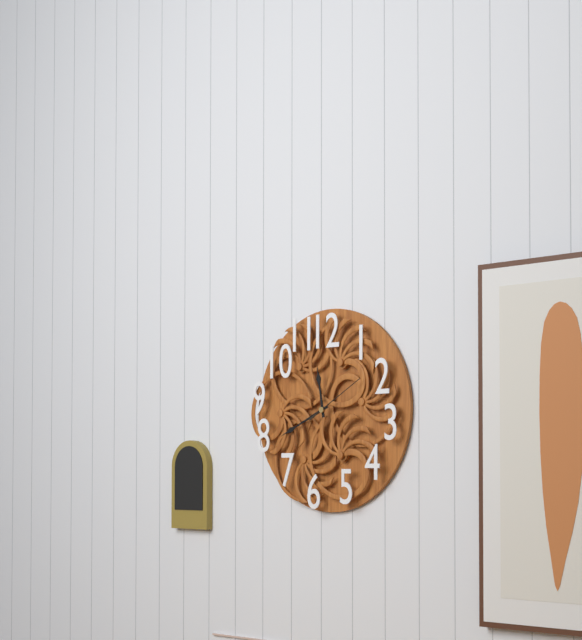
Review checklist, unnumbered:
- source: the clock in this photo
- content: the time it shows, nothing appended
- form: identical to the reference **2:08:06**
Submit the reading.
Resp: **11:41:10**
